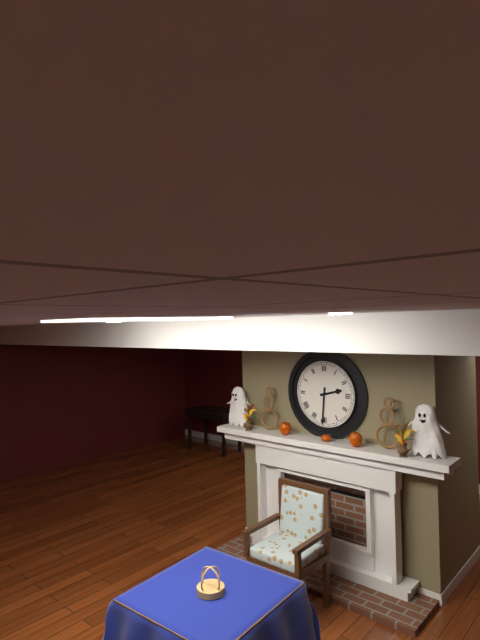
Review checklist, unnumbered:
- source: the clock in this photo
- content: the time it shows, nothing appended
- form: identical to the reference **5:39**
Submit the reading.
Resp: **2:31**
